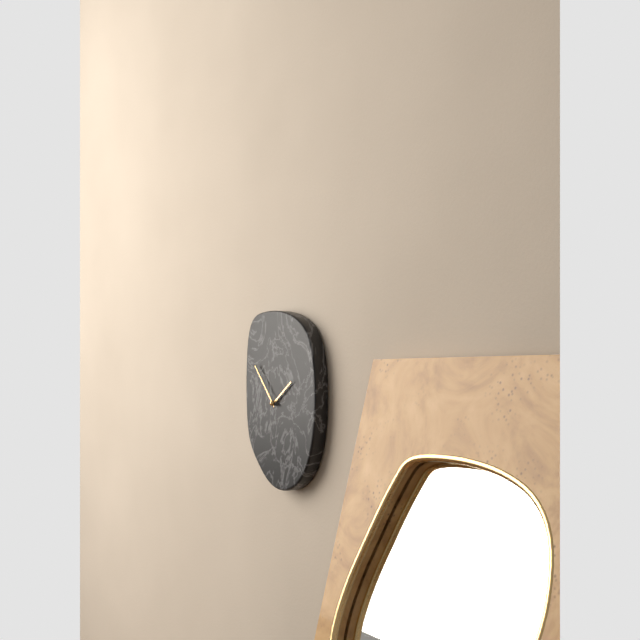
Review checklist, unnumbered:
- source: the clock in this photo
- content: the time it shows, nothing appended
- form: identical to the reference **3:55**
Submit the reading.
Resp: **1:53**
